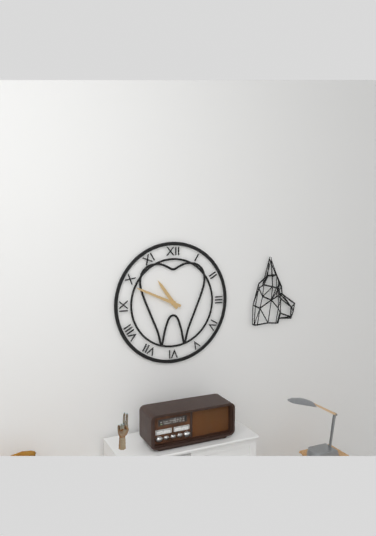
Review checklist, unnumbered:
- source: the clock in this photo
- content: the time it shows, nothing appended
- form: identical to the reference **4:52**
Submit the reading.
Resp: **10:49**
